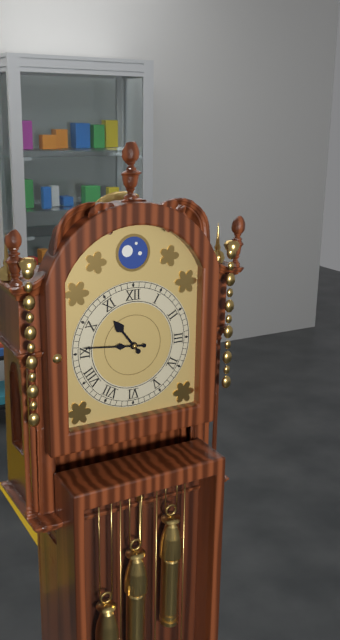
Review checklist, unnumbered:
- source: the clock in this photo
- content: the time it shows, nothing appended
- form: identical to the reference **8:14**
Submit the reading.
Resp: **10:46**
